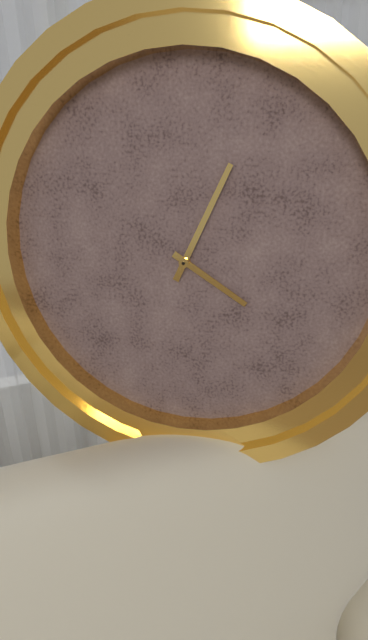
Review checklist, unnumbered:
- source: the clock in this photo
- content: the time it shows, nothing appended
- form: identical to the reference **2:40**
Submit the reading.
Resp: **4:04**
